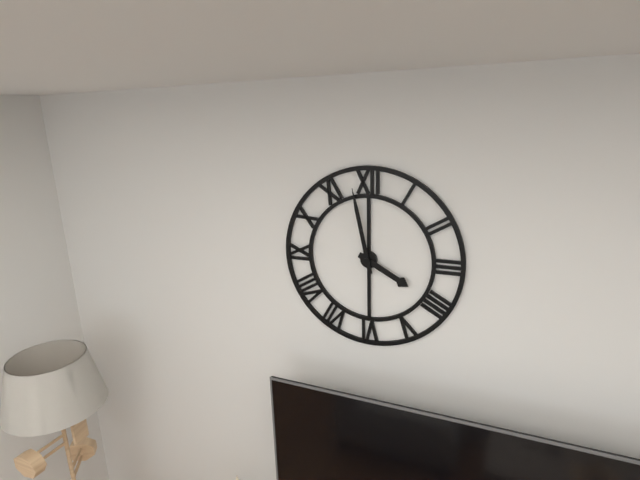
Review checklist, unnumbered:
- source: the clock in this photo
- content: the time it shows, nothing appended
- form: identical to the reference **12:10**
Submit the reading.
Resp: **3:58**
